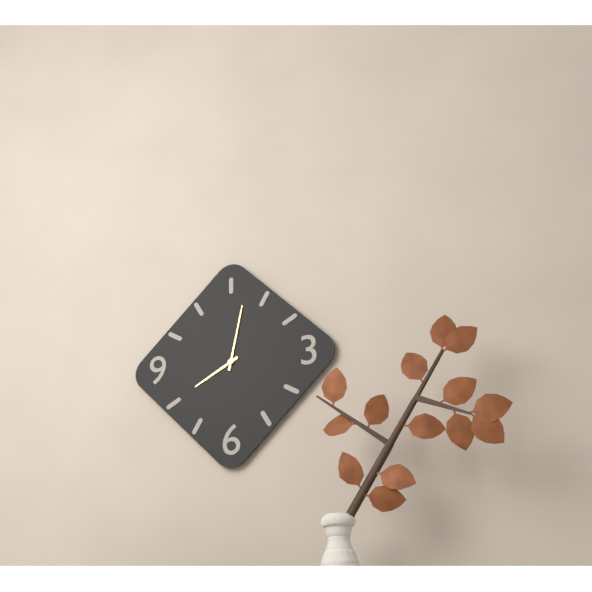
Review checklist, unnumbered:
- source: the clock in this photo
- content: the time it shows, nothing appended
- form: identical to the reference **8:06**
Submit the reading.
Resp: **8:02**
